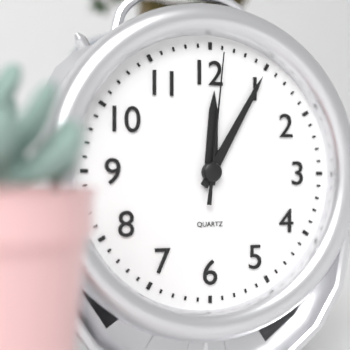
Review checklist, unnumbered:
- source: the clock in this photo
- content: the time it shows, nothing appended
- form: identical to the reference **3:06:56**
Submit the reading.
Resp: **12:05:01**
